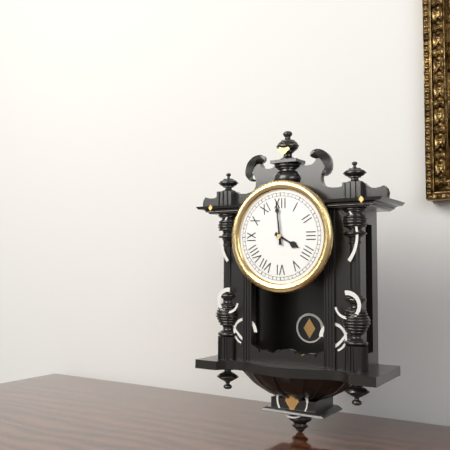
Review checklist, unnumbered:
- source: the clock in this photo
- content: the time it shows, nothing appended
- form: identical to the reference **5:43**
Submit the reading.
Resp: **3:59**
